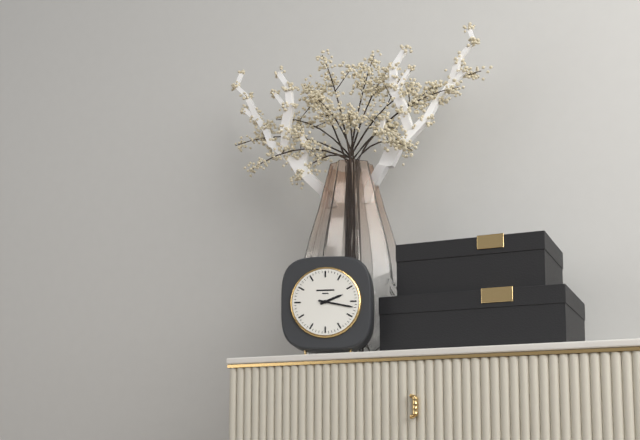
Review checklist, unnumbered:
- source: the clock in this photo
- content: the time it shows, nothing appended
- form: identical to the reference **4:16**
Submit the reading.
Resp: **2:17**
